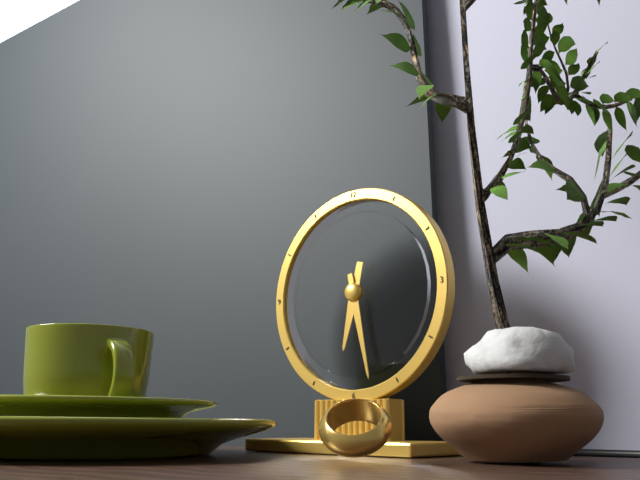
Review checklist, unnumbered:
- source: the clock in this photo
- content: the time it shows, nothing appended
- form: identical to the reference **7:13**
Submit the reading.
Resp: **6:28**
